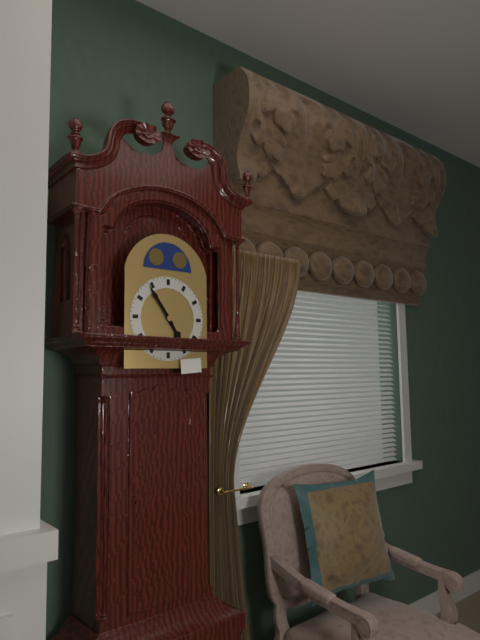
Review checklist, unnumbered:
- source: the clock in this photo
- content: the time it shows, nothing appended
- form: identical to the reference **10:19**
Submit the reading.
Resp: **4:54**
